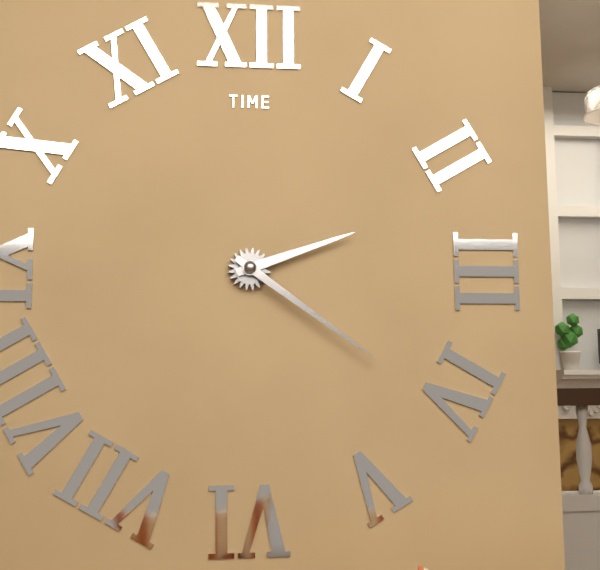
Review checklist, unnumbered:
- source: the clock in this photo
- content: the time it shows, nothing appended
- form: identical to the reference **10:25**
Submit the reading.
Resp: **2:21**
